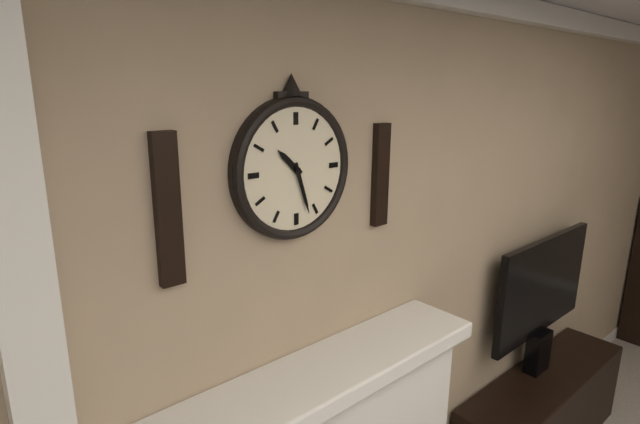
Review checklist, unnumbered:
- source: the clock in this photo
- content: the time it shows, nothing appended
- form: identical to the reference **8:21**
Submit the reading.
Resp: **10:27**
